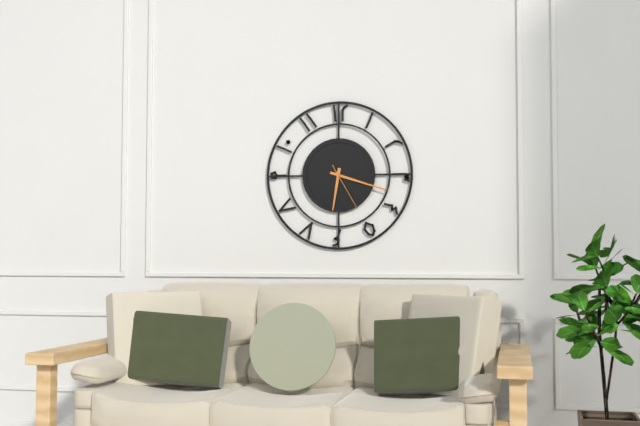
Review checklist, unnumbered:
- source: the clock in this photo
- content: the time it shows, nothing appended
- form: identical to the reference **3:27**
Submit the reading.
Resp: **6:18**
